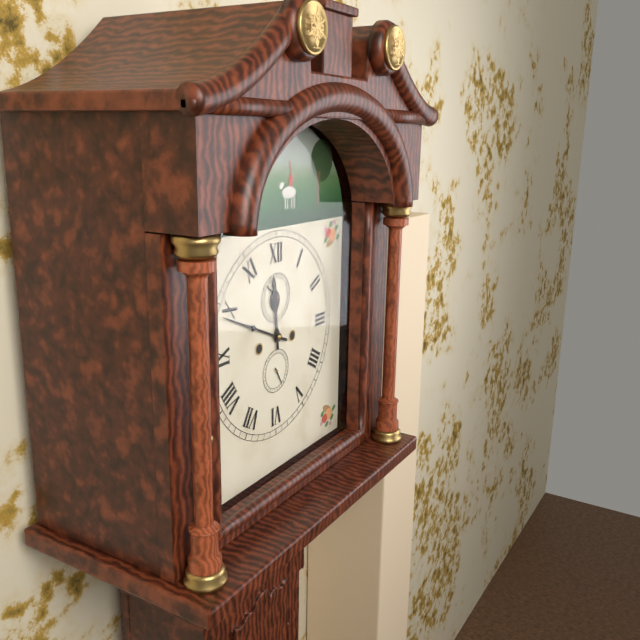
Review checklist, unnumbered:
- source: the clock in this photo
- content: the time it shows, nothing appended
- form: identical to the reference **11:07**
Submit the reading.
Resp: **11:49**
